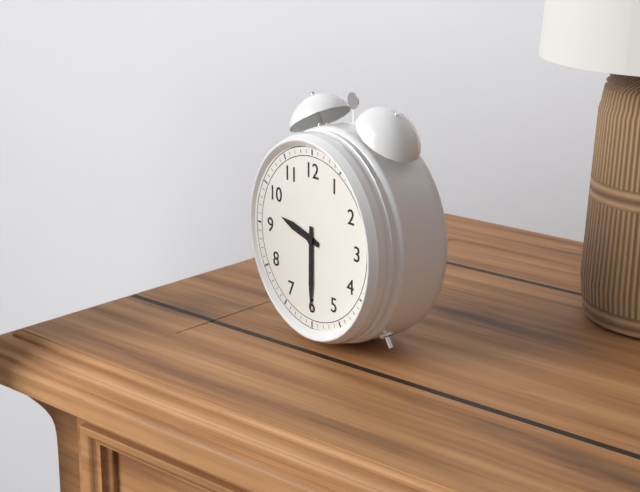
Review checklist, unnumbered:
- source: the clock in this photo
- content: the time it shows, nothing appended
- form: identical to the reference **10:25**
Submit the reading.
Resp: **9:30**
